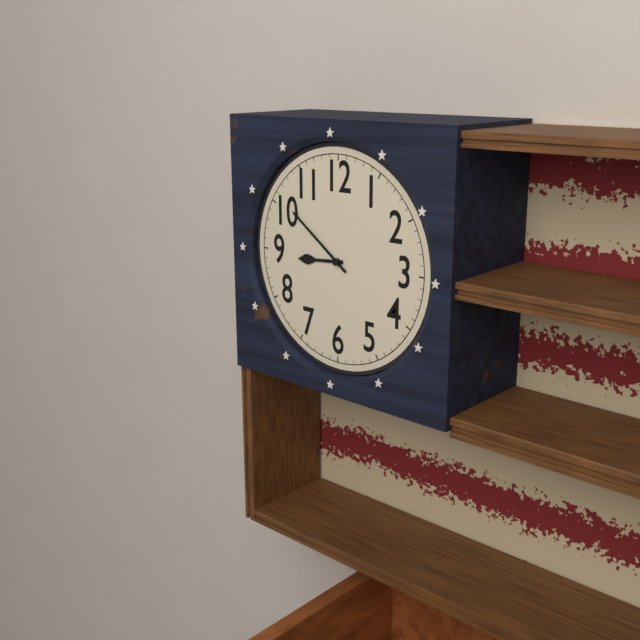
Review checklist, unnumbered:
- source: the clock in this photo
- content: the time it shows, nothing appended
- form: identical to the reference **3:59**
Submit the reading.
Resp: **8:51**
